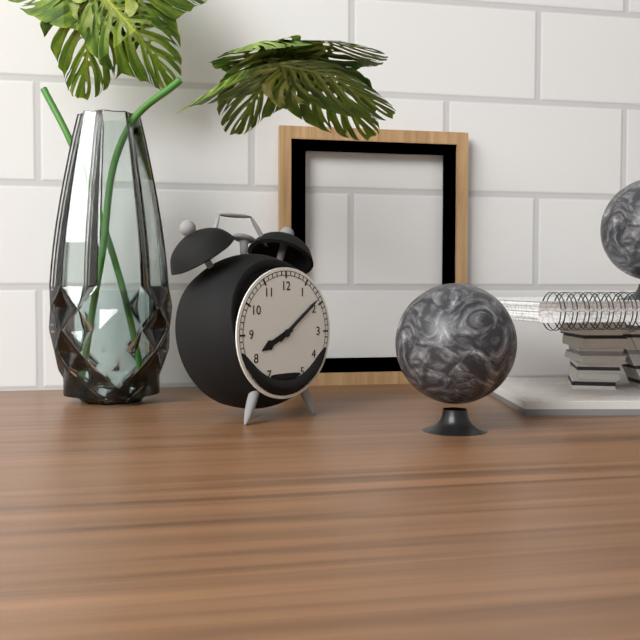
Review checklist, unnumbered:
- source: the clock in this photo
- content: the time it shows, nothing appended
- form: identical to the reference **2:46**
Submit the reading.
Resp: **8:09**
